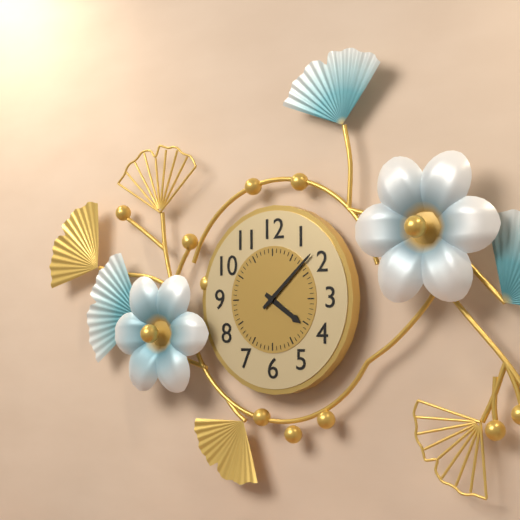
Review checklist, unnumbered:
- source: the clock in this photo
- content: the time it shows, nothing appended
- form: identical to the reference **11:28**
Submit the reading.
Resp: **4:08**
